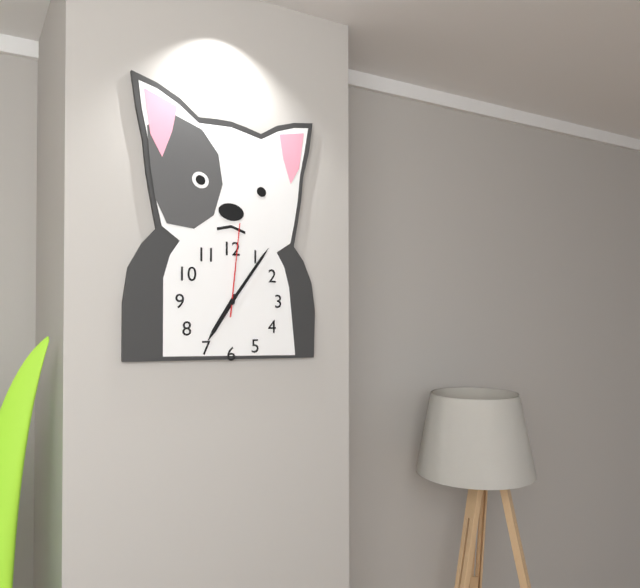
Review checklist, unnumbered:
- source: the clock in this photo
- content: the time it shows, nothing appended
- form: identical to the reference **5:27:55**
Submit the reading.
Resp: **7:06:01**
